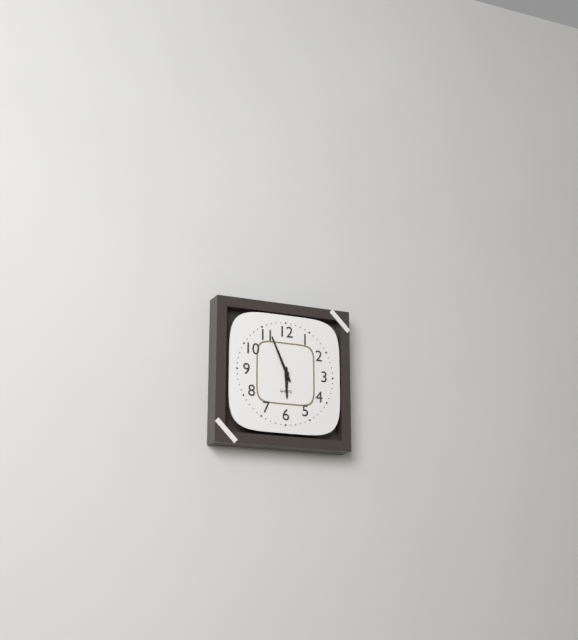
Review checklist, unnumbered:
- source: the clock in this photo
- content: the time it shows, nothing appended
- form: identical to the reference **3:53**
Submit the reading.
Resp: **5:56**
